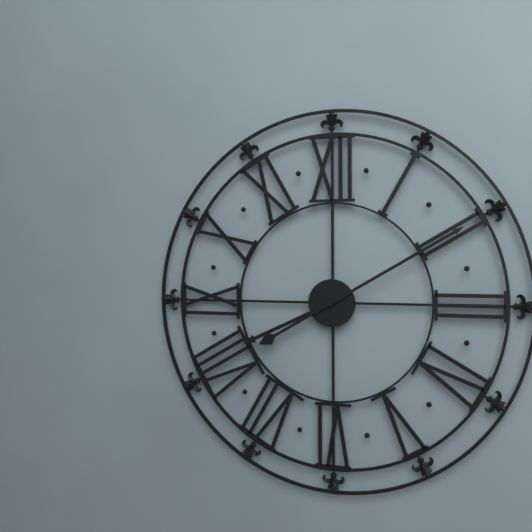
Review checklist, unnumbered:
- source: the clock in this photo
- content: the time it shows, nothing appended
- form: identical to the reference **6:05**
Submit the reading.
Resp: **8:10**
